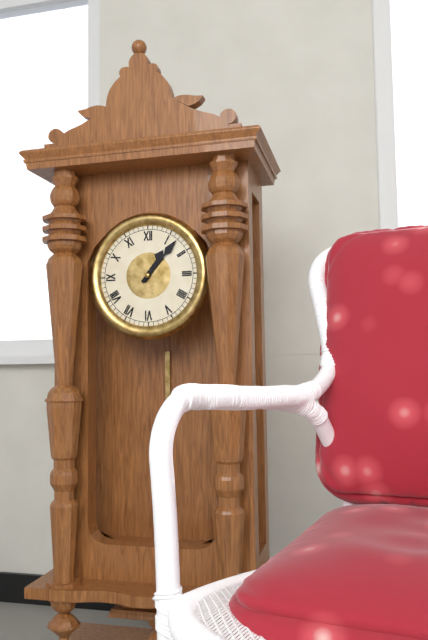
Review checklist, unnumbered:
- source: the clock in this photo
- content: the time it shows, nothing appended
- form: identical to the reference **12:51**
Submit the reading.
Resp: **1:07**
